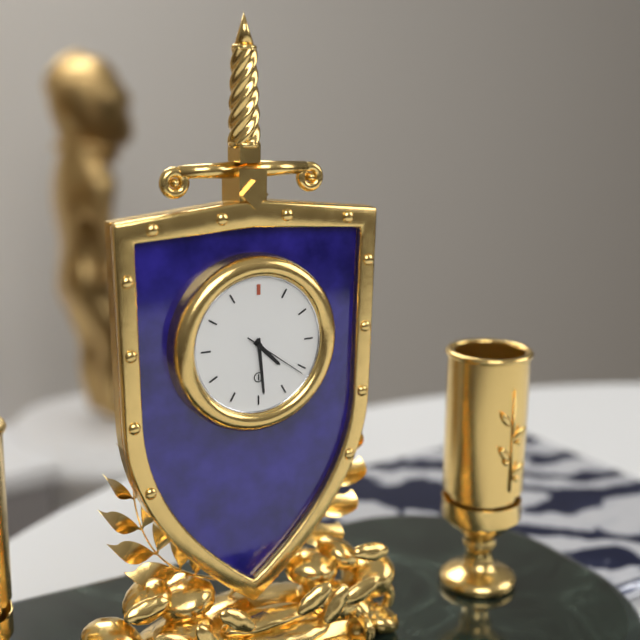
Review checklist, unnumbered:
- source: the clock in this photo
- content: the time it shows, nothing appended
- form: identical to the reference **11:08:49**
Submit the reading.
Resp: **4:29:21**
